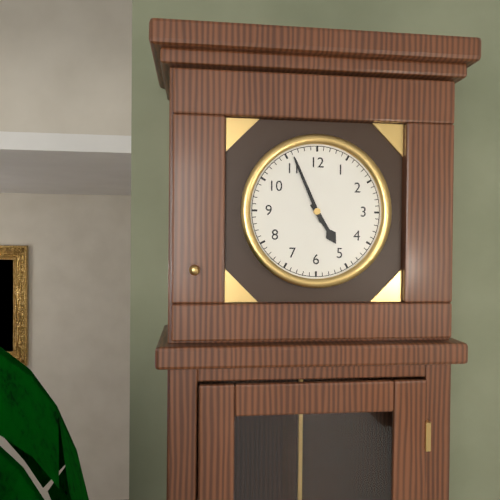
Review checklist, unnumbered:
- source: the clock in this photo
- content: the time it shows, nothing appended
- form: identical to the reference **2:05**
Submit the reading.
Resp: **4:56**
